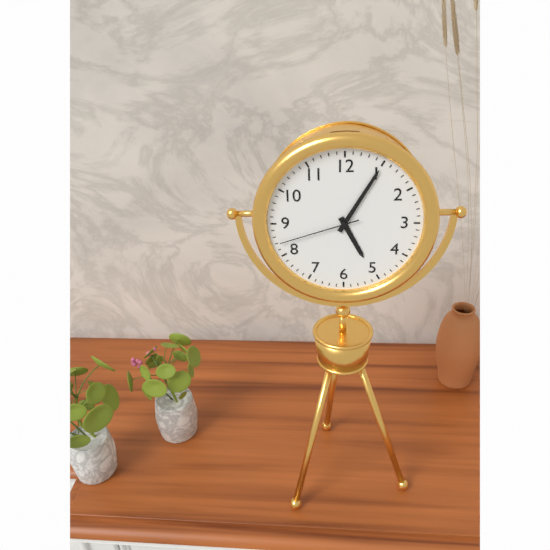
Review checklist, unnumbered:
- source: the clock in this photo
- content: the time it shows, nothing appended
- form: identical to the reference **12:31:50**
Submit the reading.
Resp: **5:05:42**
